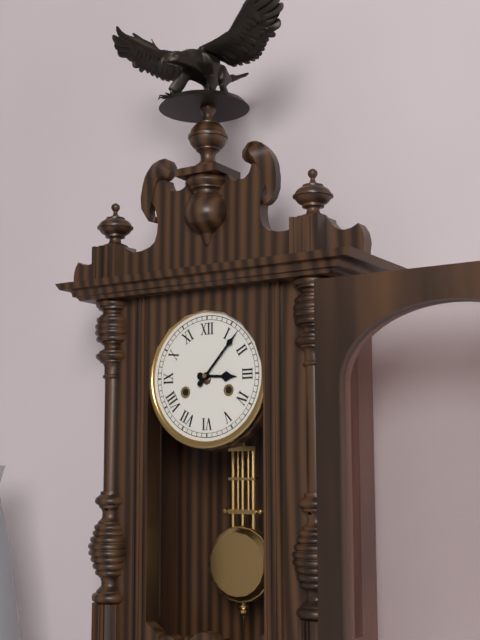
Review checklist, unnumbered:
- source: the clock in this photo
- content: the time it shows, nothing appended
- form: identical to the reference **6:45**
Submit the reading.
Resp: **3:07**
